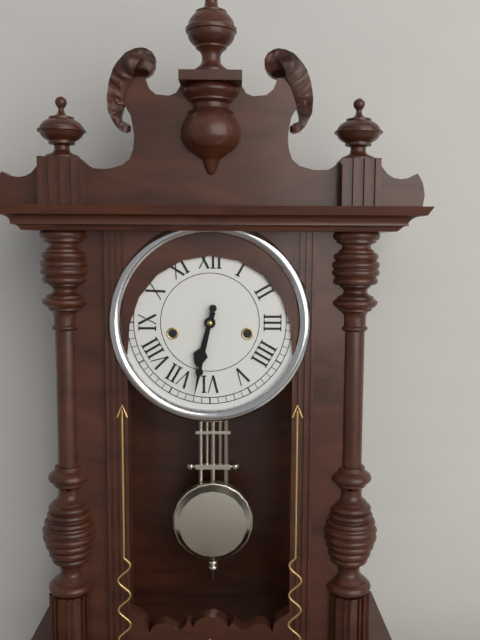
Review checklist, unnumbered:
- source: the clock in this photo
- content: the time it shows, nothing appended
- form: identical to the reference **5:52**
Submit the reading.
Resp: **6:32**
